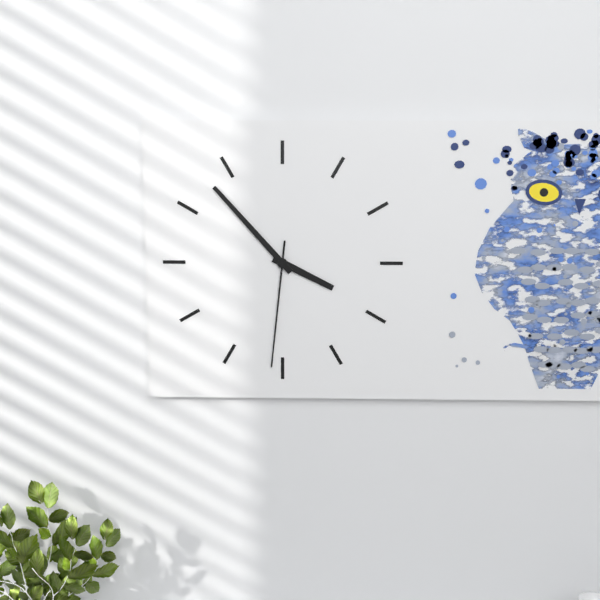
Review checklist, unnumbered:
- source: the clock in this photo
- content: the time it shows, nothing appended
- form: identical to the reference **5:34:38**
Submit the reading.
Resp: **3:53:31**
